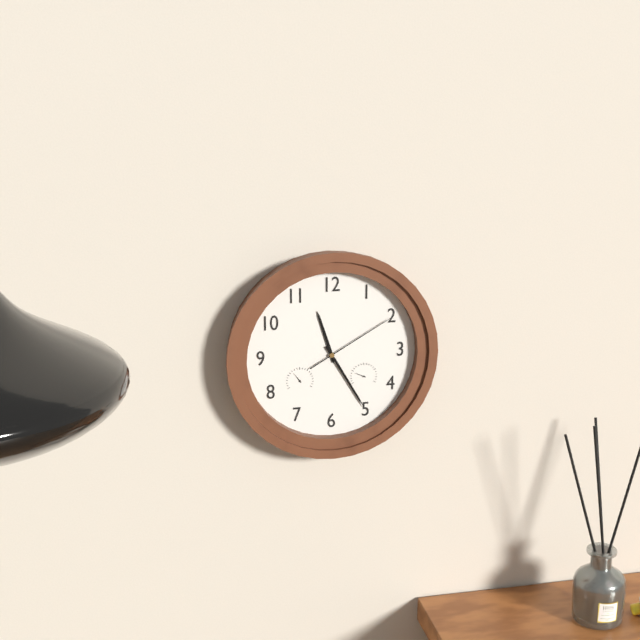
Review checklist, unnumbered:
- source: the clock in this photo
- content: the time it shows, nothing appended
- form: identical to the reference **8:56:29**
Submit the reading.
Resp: **11:25:10**
